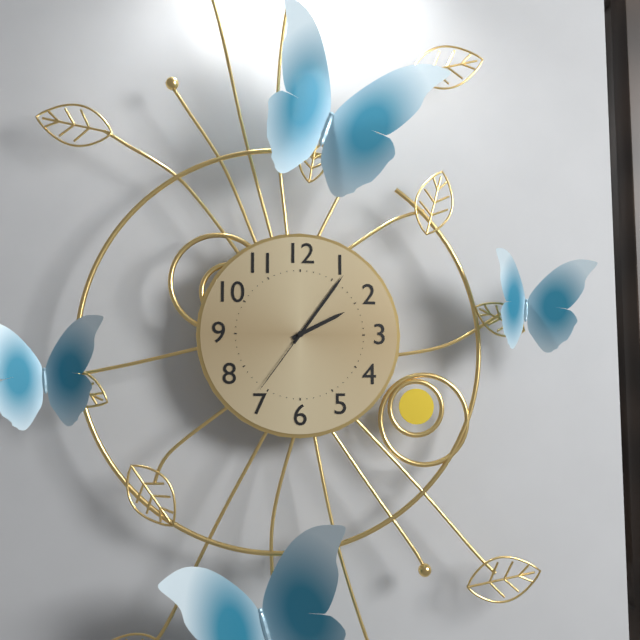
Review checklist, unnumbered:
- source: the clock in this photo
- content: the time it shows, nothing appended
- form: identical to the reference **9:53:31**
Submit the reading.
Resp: **2:06:36**
